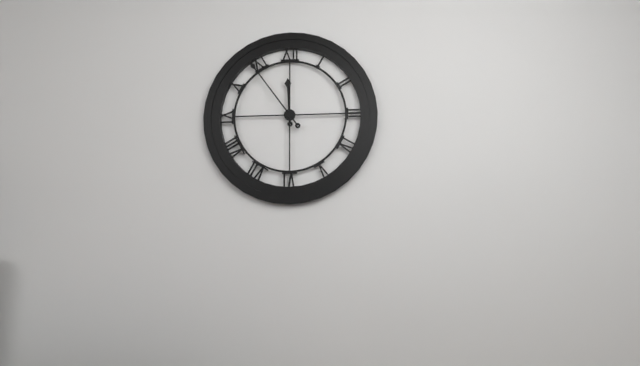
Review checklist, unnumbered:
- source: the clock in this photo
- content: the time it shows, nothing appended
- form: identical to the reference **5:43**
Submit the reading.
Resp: **11:54**
